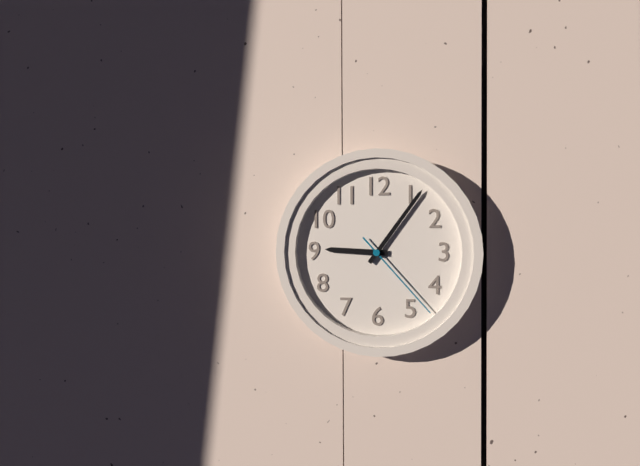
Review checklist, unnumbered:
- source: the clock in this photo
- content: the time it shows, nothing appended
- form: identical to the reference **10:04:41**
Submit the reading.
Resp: **9:06:23**
